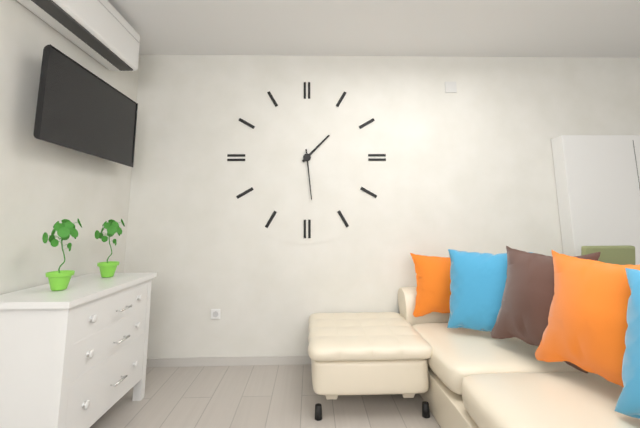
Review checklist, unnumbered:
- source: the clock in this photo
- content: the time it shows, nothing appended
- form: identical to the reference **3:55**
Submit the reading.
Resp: **1:29**
